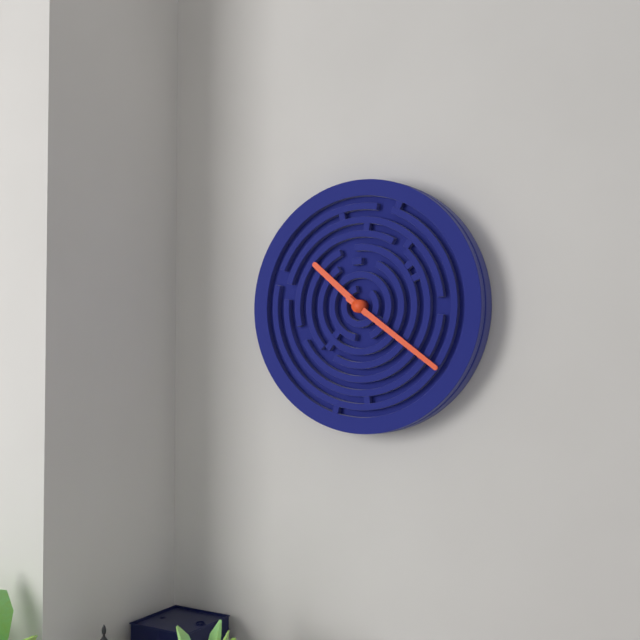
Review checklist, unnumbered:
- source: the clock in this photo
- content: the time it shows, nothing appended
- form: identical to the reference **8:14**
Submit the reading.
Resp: **10:21**
